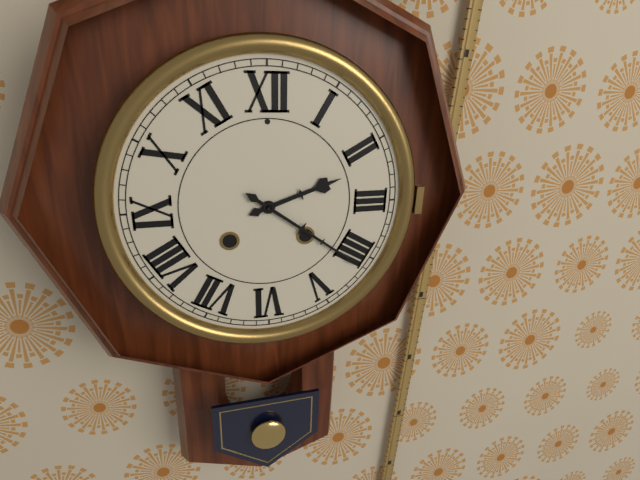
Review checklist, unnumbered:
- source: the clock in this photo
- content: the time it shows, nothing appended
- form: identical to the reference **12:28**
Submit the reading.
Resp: **2:21**
